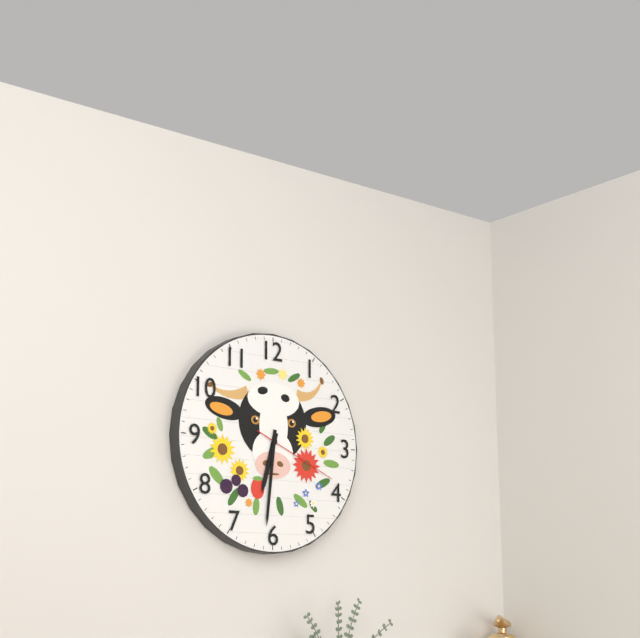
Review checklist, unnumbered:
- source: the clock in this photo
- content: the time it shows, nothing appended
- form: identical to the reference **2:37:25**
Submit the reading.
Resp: **6:31:19**
